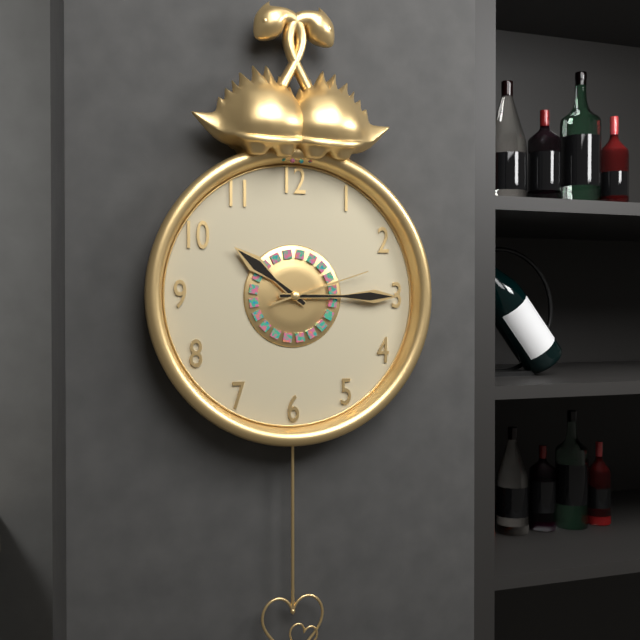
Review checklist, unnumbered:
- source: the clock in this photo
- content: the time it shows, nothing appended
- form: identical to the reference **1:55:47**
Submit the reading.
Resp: **10:15:12**
